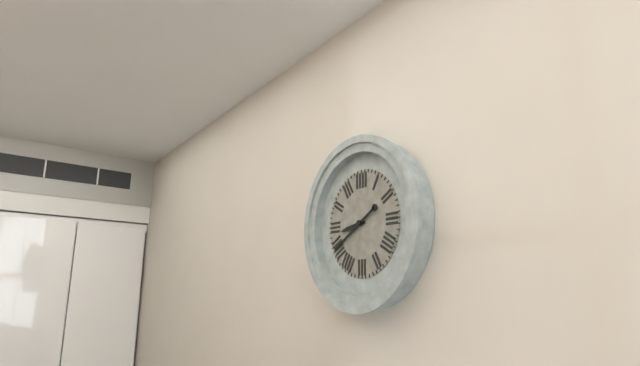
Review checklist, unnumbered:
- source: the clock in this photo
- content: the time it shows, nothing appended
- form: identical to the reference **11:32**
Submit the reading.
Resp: **8:40**
